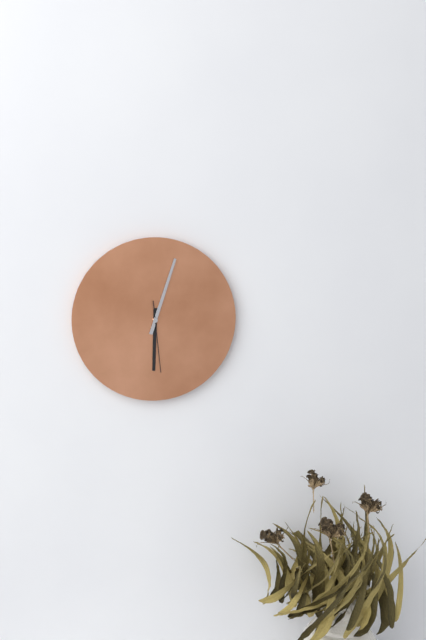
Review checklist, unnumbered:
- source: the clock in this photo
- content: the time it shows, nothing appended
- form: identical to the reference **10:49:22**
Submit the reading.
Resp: **6:03:29**
